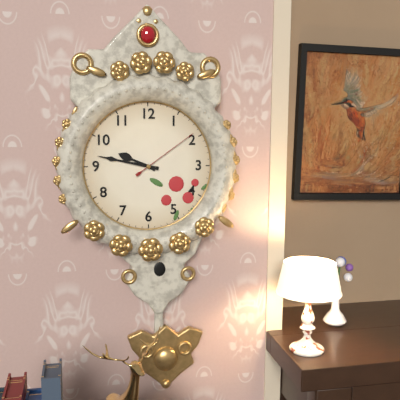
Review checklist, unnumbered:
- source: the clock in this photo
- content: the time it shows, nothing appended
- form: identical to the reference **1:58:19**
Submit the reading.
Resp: **9:47:09**
